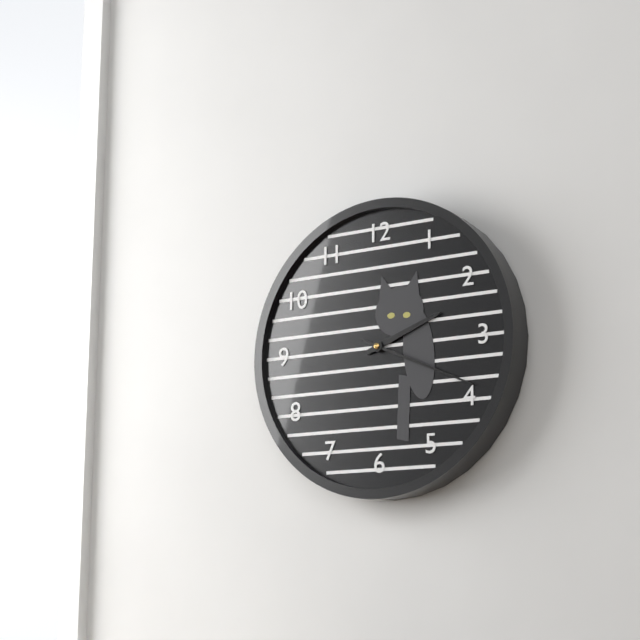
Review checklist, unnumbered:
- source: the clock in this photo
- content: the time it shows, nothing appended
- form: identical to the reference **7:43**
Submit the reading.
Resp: **2:19**
